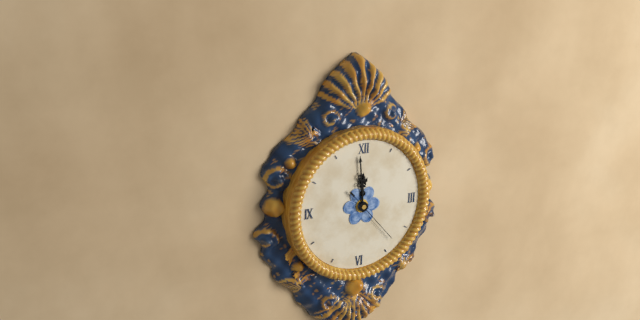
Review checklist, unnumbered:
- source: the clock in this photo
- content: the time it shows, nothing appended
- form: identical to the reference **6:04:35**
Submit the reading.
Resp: **11:59:23**
